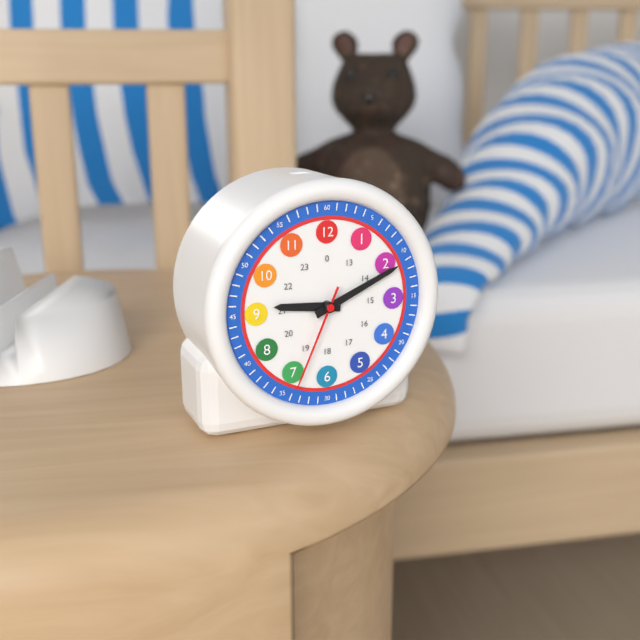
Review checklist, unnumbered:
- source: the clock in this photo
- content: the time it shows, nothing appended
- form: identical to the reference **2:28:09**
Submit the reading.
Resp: **9:11:34**
